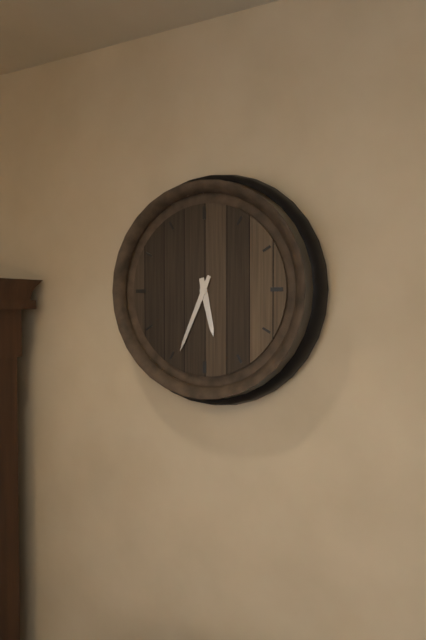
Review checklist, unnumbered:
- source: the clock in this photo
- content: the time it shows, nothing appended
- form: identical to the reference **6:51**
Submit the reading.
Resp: **5:34**
